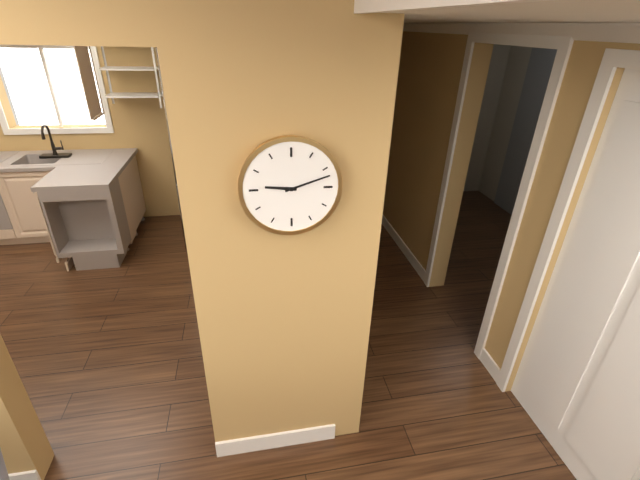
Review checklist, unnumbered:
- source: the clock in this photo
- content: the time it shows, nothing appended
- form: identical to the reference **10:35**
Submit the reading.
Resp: **9:12**
